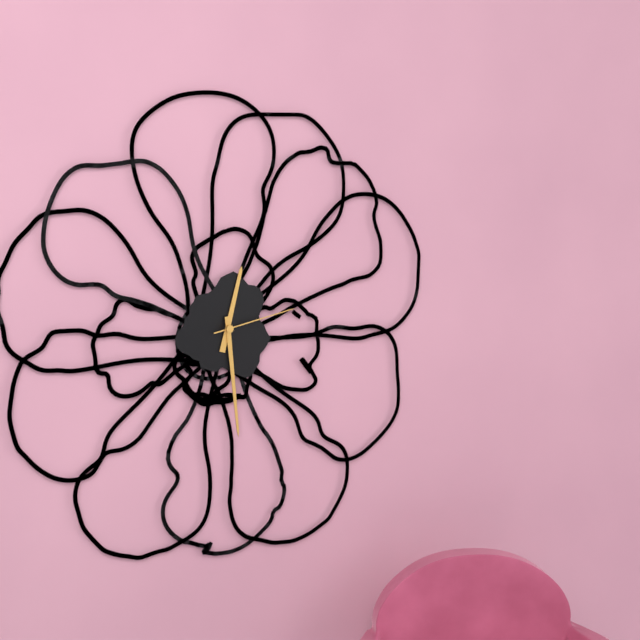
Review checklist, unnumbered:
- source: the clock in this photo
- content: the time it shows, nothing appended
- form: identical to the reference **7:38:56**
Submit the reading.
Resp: **12:29:13**
